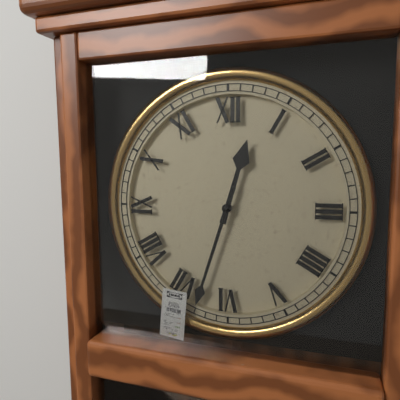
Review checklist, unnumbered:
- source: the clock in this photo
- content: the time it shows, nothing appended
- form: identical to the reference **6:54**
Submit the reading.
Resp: **12:33**
